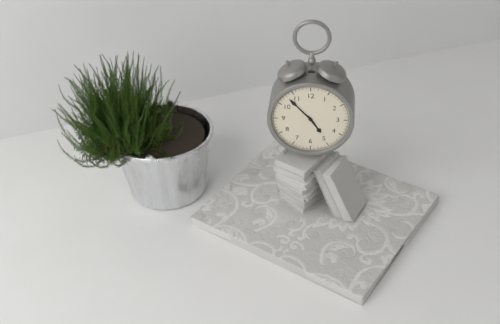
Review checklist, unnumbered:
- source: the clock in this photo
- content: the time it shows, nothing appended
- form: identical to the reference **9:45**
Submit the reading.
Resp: **4:53**
